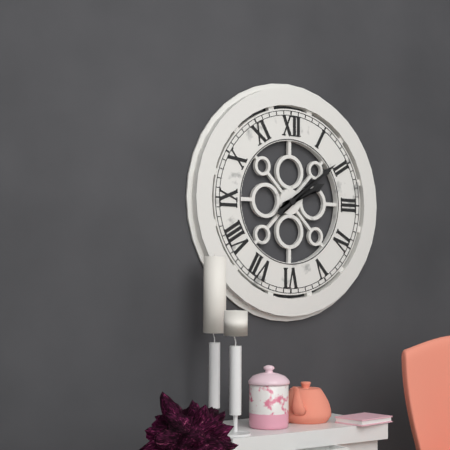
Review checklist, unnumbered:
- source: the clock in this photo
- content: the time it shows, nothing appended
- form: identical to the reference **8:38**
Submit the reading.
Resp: **2:09**
